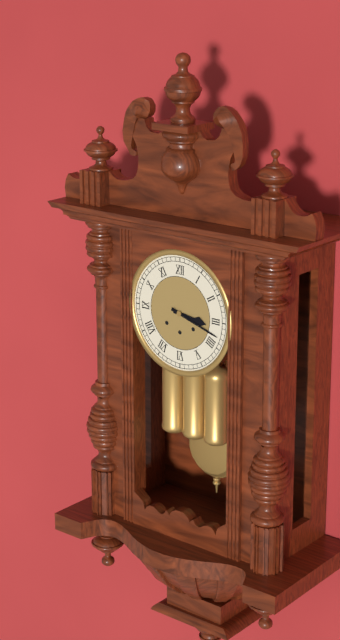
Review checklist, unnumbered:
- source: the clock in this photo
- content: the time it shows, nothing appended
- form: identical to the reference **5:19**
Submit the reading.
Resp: **3:18**
